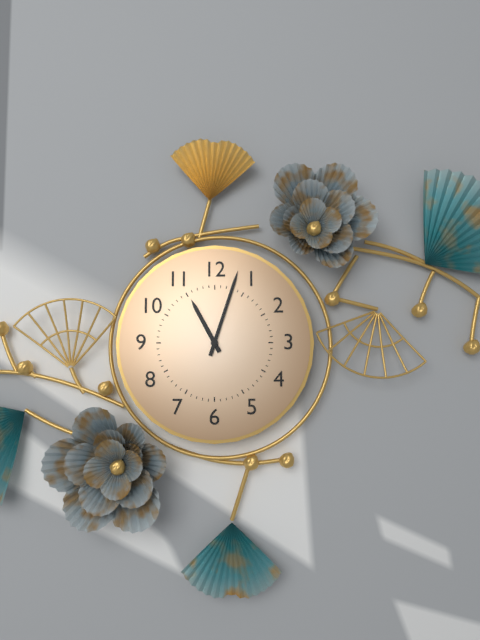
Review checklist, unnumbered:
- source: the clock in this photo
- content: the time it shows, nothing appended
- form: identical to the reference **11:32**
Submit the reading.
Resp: **11:03**
